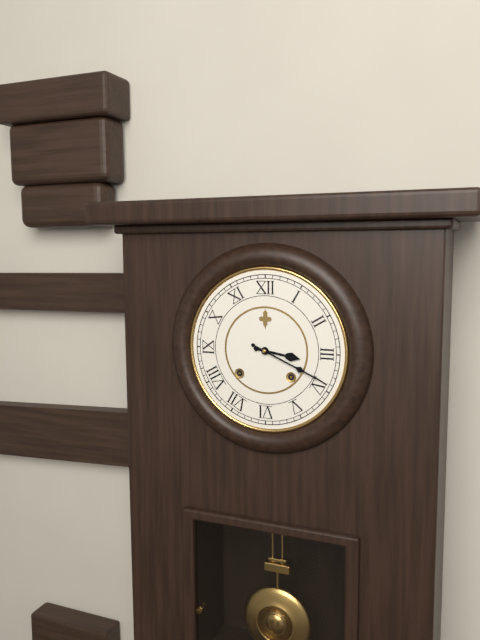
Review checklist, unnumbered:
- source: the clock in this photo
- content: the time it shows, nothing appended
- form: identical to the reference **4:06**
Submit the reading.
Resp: **3:19**
